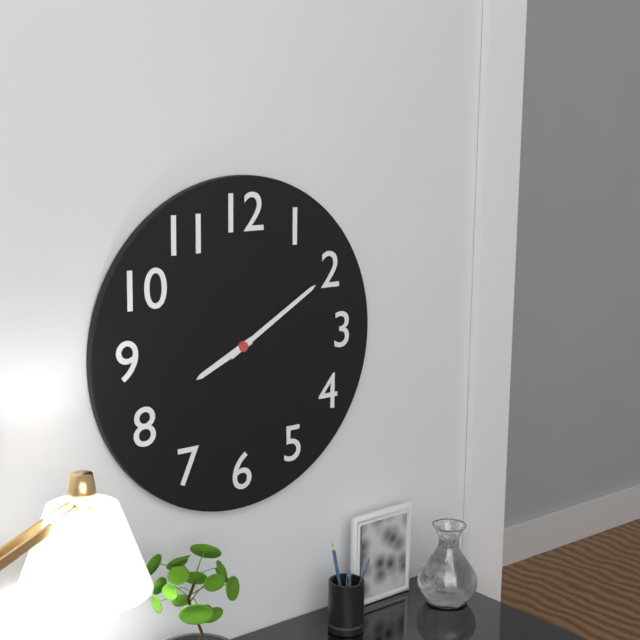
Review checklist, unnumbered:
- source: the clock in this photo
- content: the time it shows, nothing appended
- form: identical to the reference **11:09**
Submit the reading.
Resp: **8:10**
